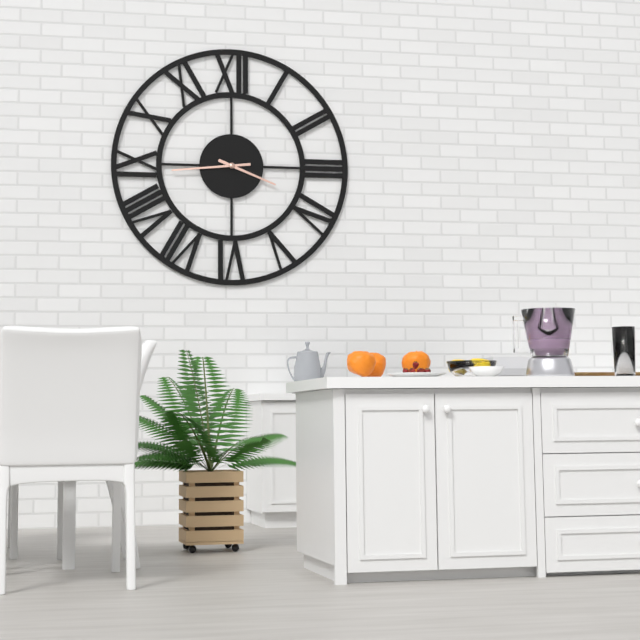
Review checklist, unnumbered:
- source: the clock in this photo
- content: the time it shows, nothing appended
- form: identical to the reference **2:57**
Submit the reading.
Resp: **3:44**
